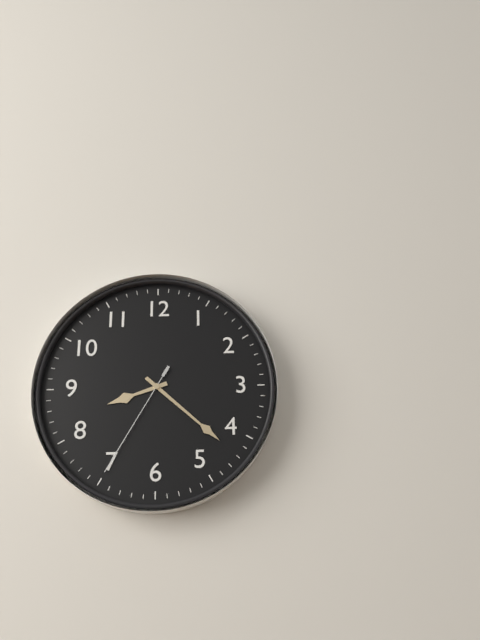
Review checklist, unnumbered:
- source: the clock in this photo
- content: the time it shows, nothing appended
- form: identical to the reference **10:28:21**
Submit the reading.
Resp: **8:22:35**
